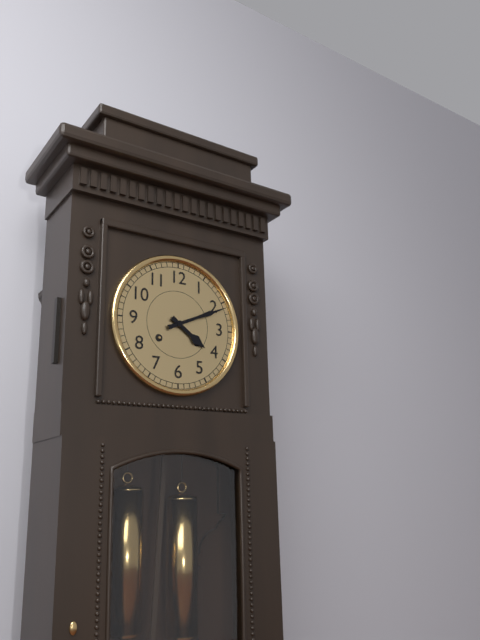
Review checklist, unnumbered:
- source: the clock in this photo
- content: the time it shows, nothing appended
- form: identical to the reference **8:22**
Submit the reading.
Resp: **4:11**
